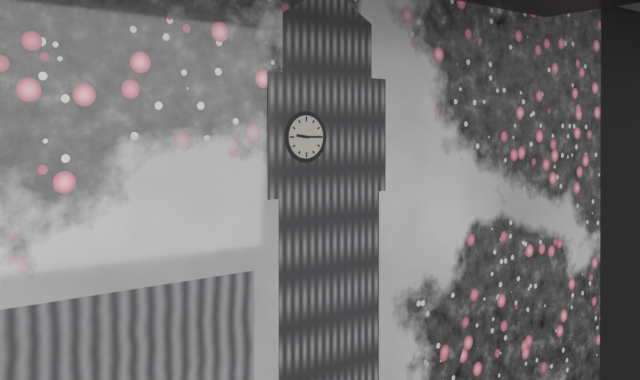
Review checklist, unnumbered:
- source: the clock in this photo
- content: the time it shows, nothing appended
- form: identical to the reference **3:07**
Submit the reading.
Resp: **9:15**
